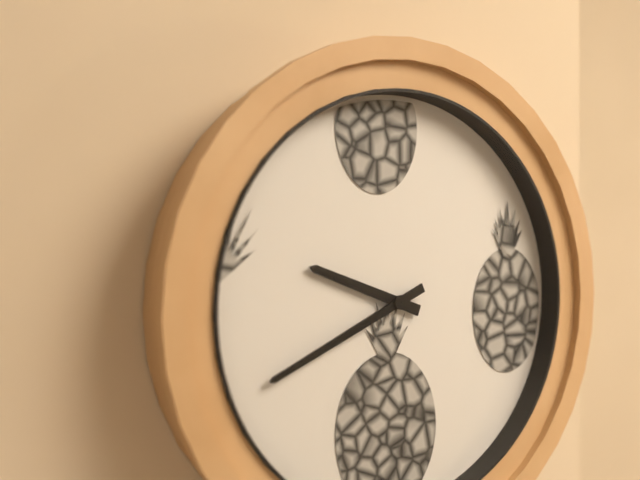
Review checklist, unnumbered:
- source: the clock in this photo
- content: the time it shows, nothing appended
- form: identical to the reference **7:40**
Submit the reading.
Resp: **9:41**
